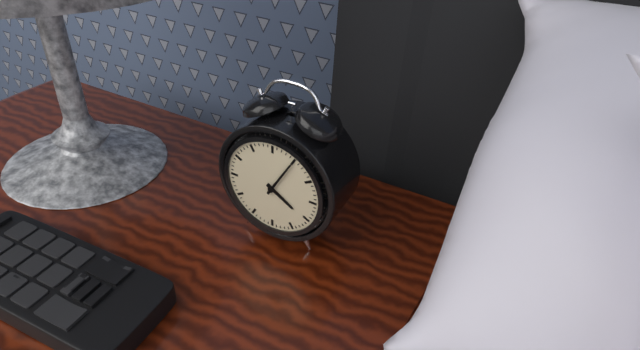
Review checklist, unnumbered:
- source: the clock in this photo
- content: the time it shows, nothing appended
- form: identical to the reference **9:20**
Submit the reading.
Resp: **4:05**
